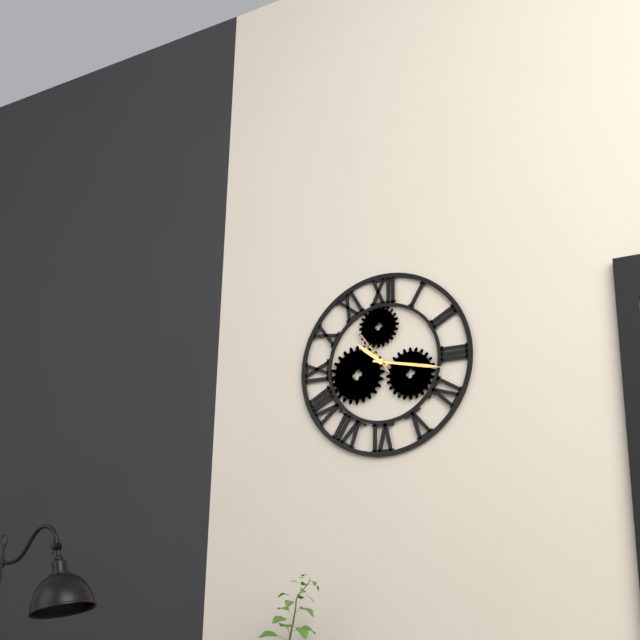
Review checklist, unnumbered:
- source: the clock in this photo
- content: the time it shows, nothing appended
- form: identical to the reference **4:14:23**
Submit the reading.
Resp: **10:17:54**
